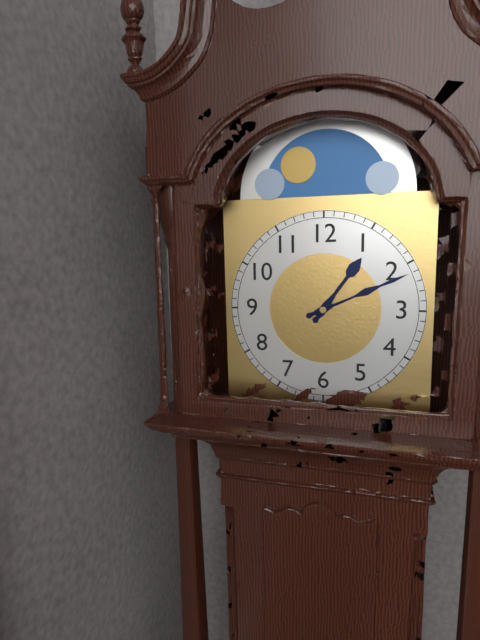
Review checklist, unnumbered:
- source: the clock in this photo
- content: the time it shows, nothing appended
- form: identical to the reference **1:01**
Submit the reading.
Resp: **1:11**
